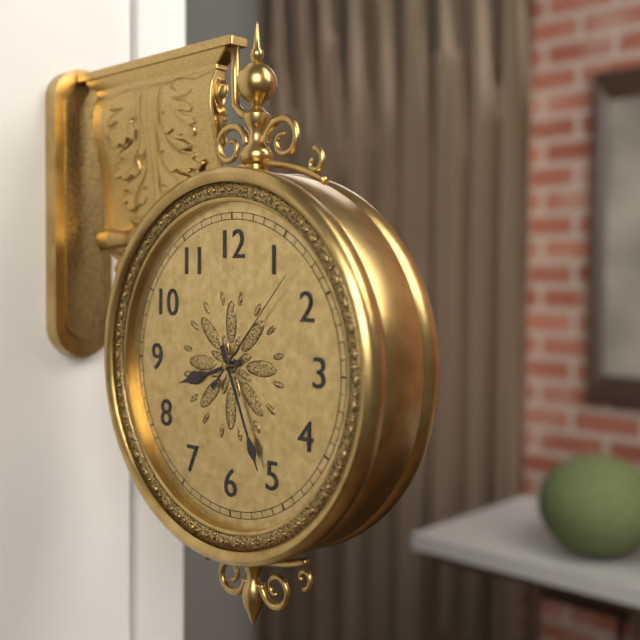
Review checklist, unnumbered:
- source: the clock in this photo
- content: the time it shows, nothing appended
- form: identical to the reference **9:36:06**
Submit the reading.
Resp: **8:26:07**
